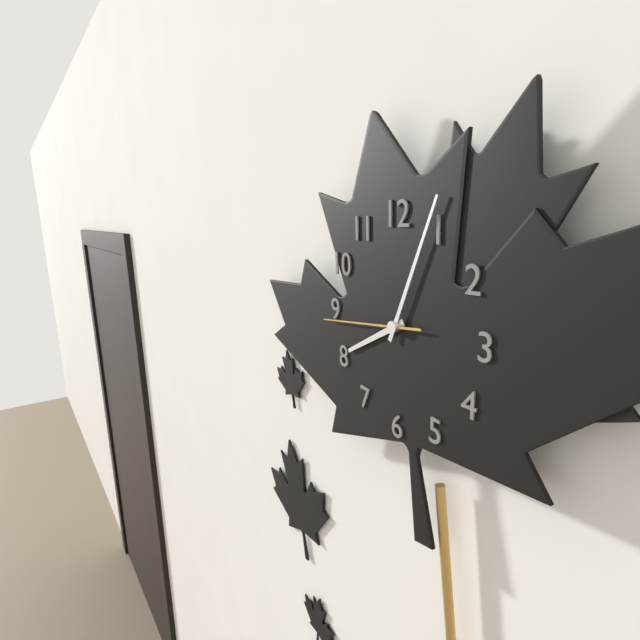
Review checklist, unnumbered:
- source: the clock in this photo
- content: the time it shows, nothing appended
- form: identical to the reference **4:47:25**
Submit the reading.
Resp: **8:04:44**
